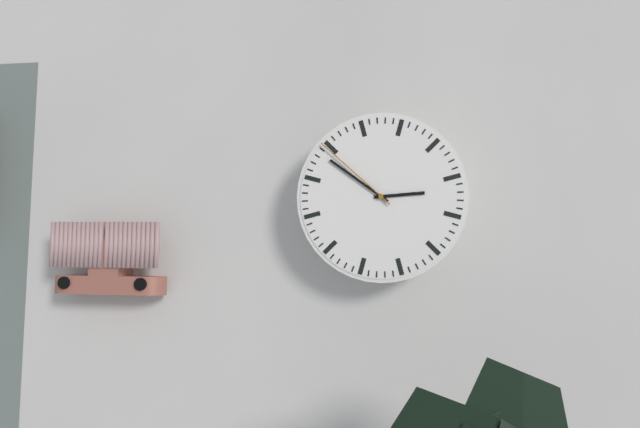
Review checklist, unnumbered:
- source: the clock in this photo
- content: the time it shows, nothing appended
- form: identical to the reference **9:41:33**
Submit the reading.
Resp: **2:51:52**
